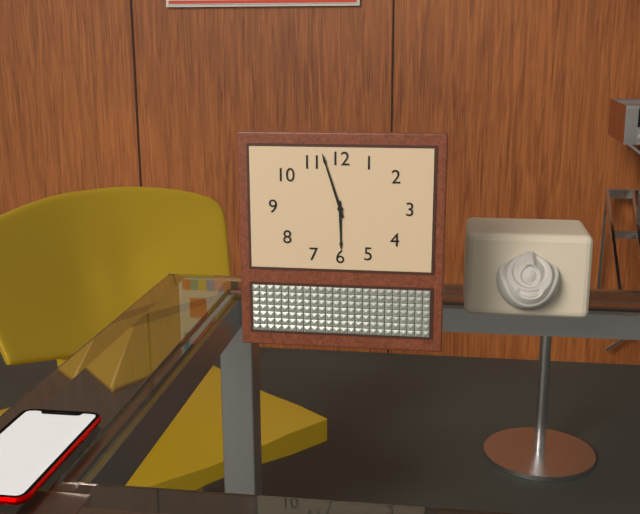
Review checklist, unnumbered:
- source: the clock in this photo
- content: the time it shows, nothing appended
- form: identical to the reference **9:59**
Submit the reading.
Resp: **5:57**
